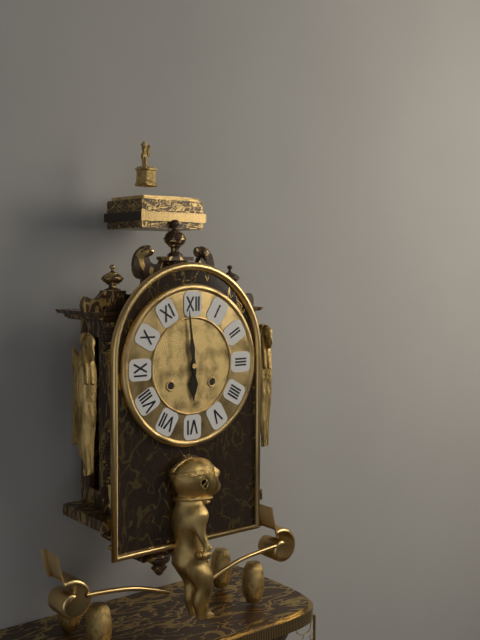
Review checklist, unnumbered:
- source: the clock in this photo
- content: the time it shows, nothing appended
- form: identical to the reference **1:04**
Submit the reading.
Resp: **5:59**
